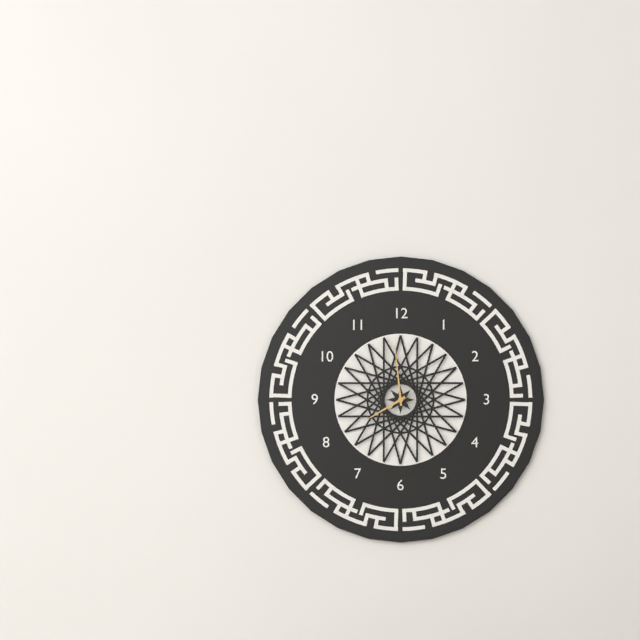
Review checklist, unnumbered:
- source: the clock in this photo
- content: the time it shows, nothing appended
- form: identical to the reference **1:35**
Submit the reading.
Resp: **7:59**
